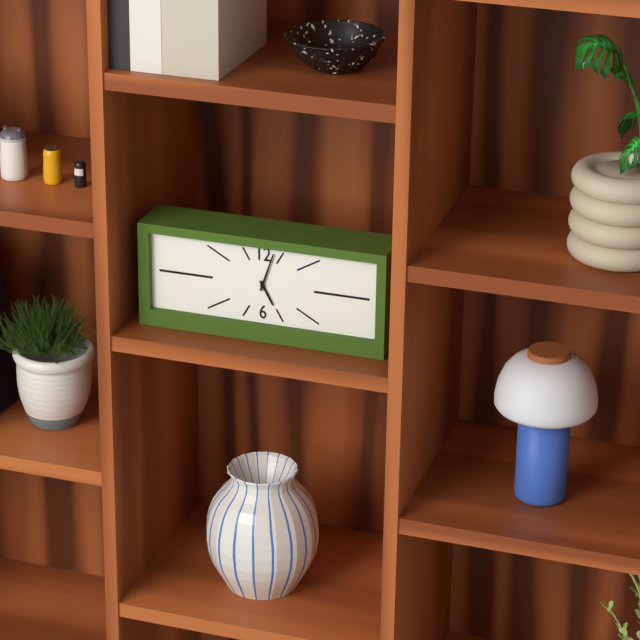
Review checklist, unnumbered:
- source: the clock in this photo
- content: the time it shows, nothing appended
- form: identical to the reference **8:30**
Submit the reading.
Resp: **5:03**
